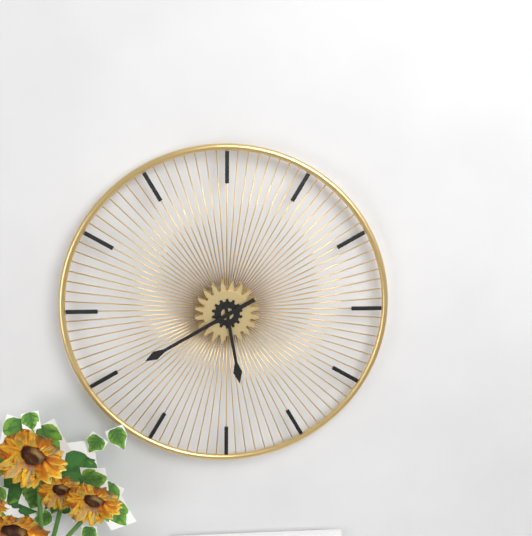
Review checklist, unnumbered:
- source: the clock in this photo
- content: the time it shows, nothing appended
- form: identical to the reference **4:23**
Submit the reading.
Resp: **5:40**
